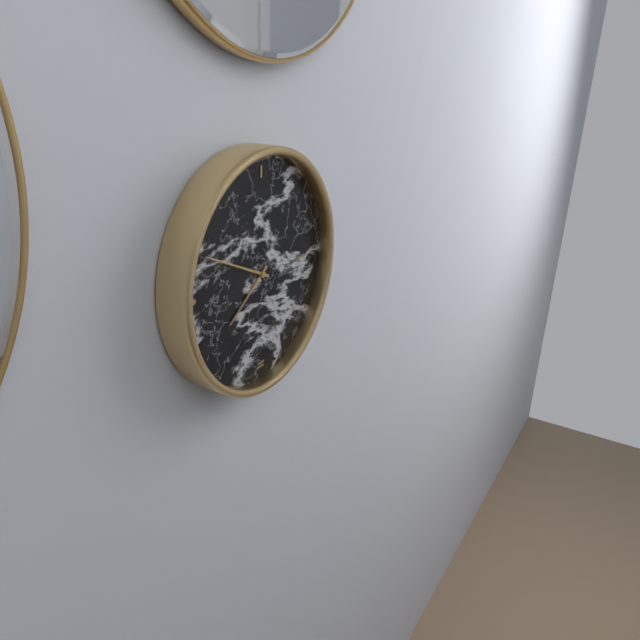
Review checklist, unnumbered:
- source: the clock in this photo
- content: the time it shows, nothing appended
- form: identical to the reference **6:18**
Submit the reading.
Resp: **7:49**
